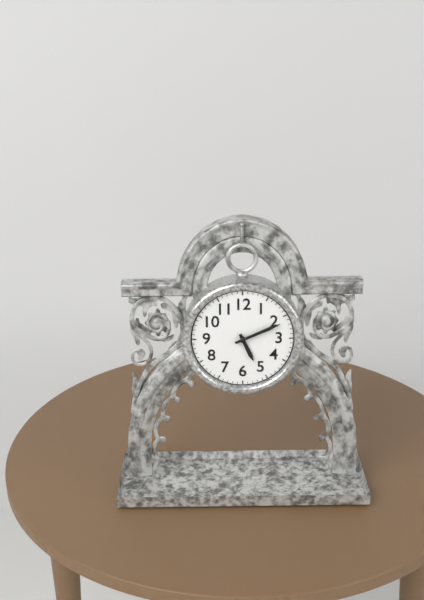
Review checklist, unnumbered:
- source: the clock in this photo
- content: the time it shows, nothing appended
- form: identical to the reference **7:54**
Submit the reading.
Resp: **5:11**
